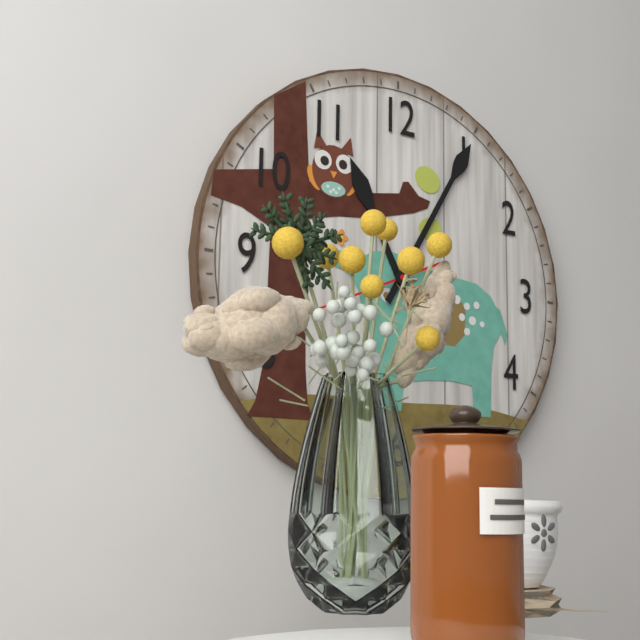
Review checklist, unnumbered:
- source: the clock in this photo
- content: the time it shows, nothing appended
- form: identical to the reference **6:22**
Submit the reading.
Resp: **11:05**
